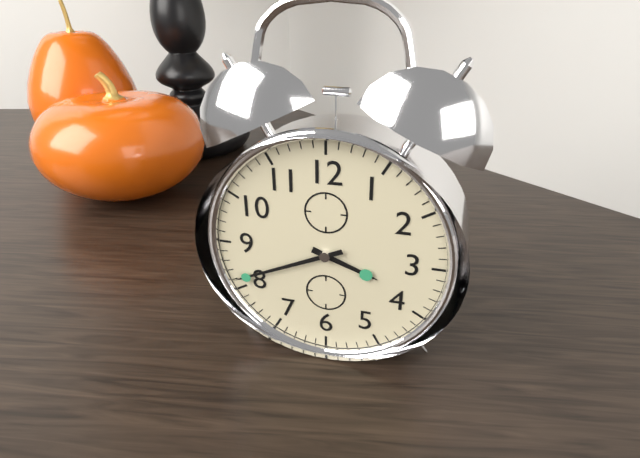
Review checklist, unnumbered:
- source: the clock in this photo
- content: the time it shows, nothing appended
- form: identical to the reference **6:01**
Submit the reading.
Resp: **3:41**
